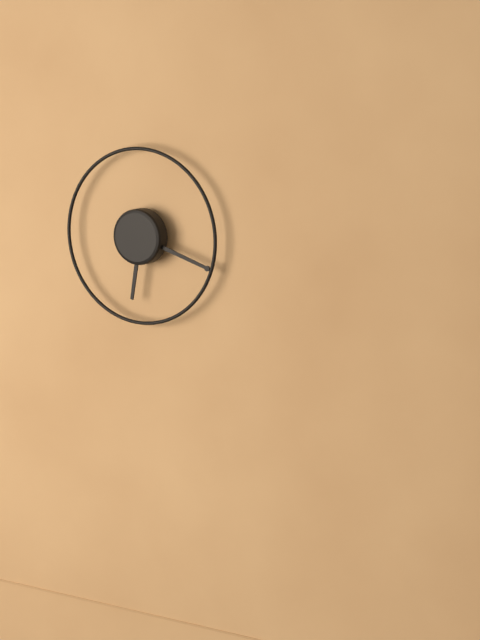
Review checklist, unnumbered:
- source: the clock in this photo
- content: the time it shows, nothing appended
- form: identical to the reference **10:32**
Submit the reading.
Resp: **6:18**
